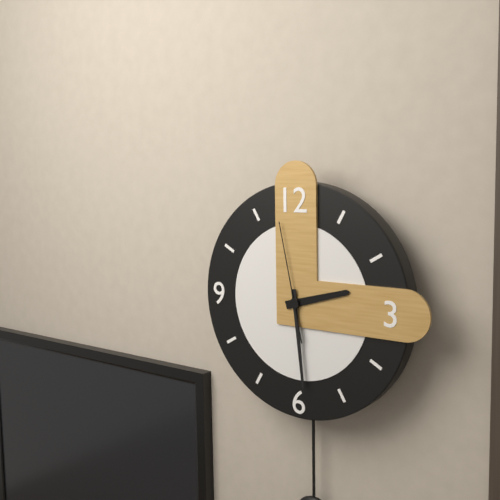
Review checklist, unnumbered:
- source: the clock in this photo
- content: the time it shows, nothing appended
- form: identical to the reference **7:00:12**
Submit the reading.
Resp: **2:29:58**
